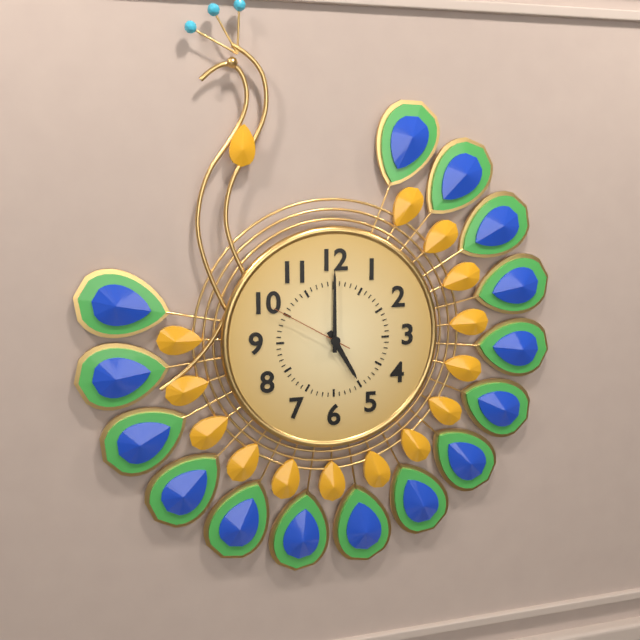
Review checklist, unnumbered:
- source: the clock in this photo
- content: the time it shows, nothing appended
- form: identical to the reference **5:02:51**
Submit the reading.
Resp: **5:00:50**
